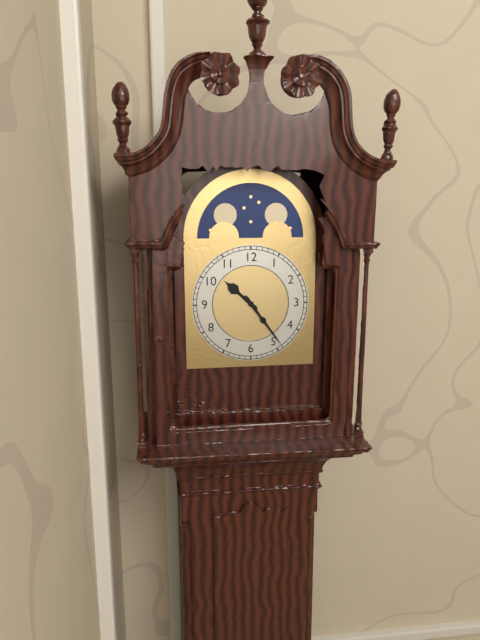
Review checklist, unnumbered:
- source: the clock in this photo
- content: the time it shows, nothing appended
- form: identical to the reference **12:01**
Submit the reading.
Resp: **10:24**
